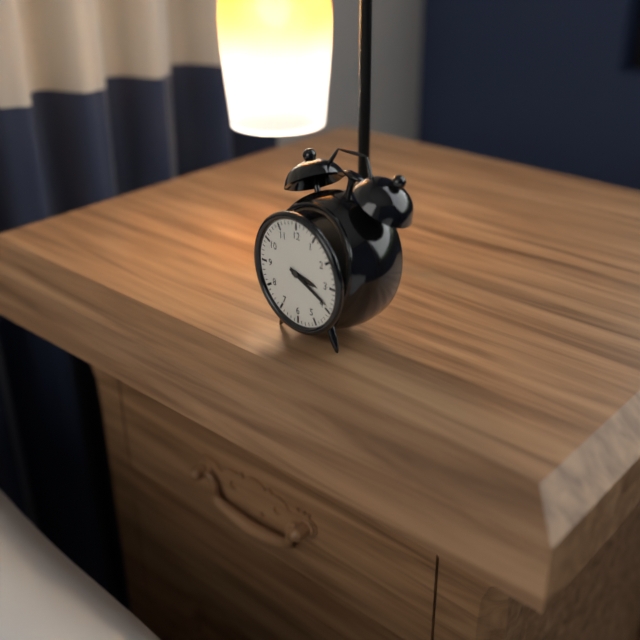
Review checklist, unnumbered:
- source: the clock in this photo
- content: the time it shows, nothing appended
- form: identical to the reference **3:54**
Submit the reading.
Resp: **3:19**
